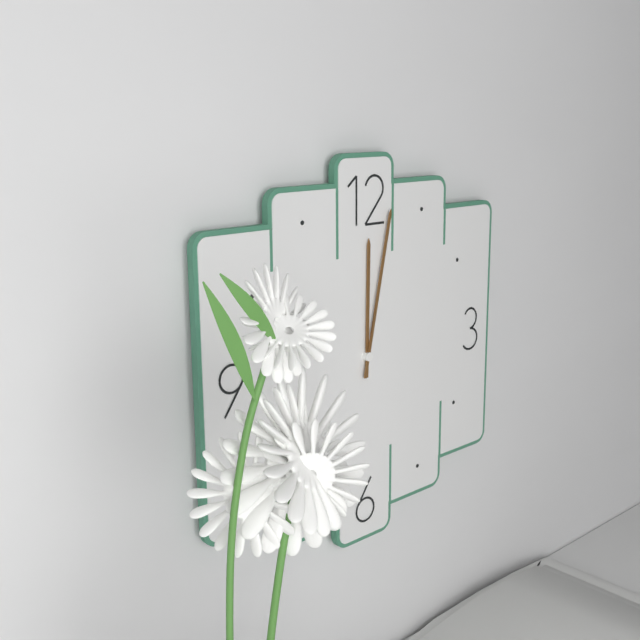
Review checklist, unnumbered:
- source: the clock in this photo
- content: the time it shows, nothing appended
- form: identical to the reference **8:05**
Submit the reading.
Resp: **12:02**
